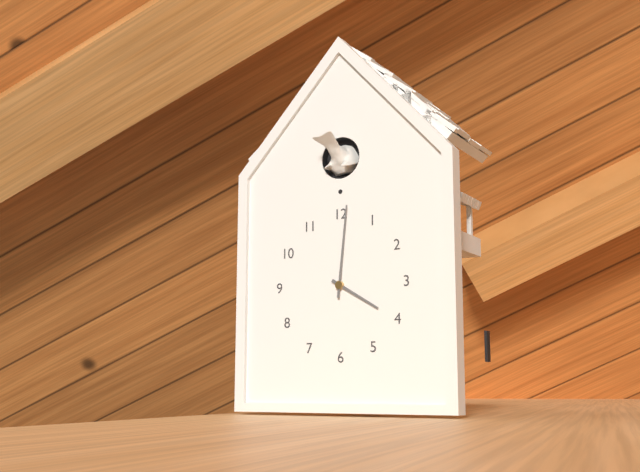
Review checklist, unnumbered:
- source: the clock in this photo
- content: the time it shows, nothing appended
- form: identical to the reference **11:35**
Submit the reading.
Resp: **4:01**
